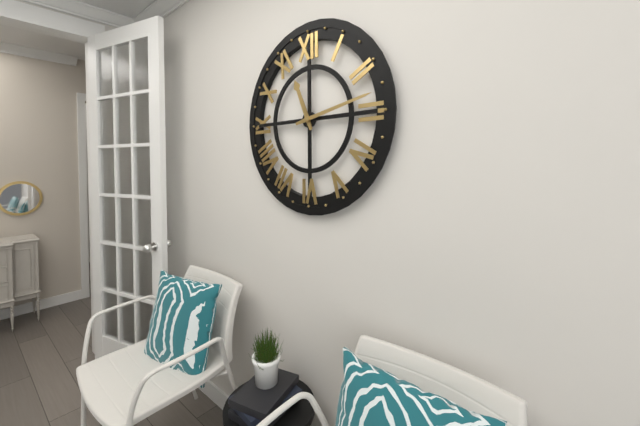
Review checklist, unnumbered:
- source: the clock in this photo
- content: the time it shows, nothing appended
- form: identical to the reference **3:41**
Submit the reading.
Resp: **11:13**
